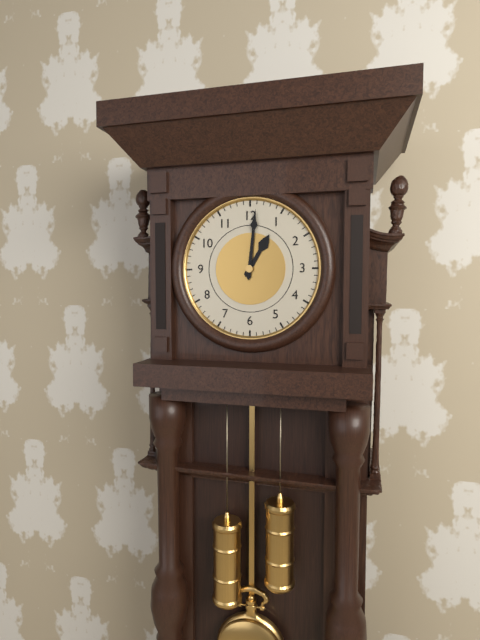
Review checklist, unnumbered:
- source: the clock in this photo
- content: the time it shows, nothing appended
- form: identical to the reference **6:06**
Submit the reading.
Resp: **1:01**
